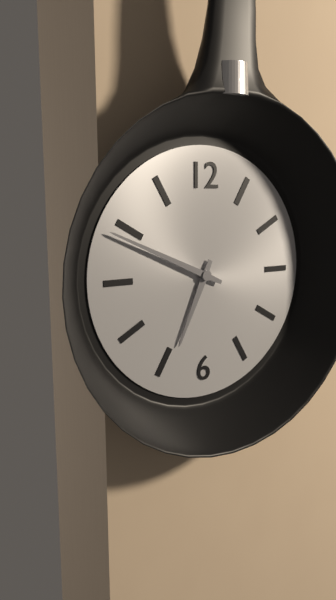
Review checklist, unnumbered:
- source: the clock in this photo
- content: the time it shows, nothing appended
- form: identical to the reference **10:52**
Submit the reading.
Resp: **6:49**
